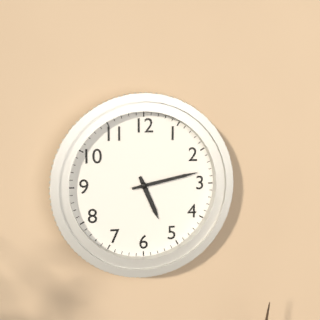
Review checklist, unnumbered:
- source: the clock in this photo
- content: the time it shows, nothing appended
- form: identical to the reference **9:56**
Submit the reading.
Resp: **5:13**
